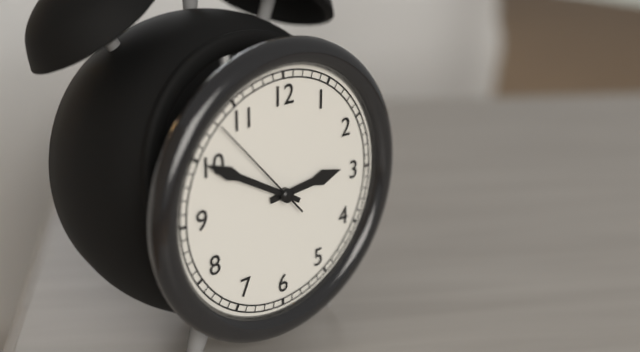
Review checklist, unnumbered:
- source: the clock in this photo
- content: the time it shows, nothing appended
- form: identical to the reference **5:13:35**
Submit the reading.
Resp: **2:50:53**
